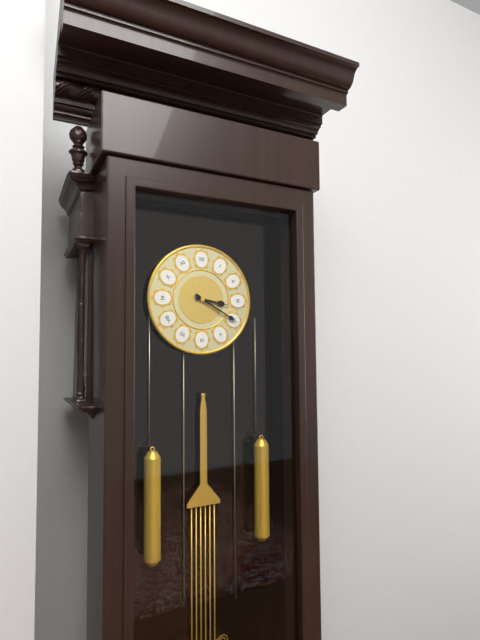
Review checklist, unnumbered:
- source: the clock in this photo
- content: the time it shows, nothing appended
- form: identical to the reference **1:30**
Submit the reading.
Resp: **3:20**
